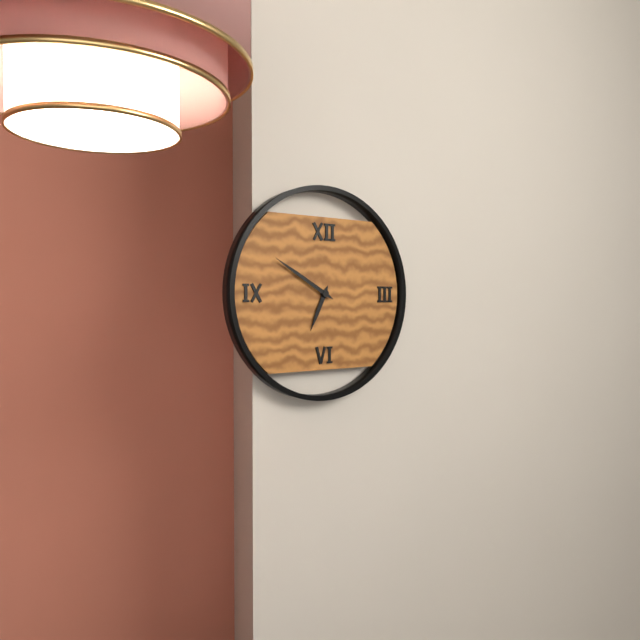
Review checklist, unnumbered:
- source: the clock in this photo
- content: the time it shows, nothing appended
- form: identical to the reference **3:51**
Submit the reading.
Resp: **6:50**
